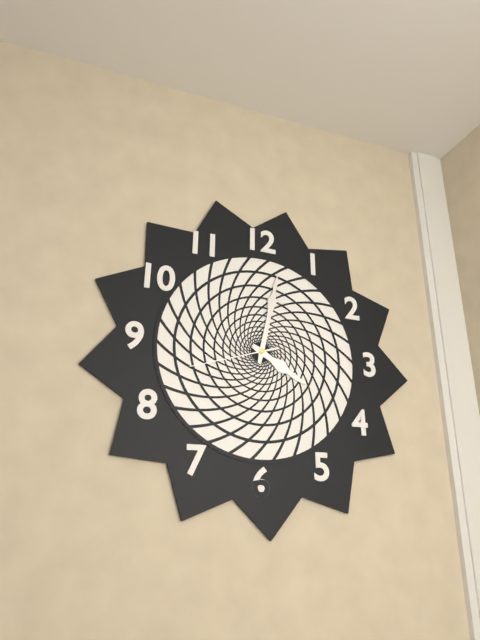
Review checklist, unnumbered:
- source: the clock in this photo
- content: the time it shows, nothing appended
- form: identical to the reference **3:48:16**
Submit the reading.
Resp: **4:02:42**
